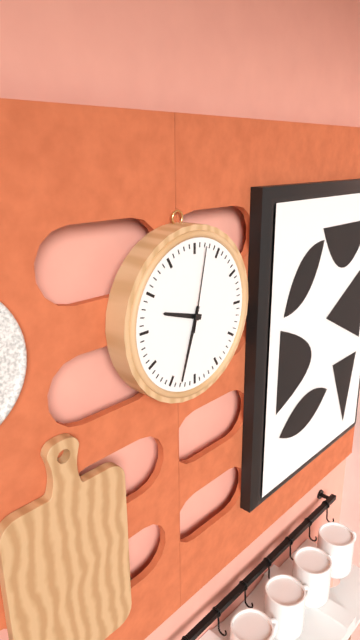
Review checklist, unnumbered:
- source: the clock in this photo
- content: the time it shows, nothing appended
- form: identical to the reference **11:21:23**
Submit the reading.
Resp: **9:33:02**
